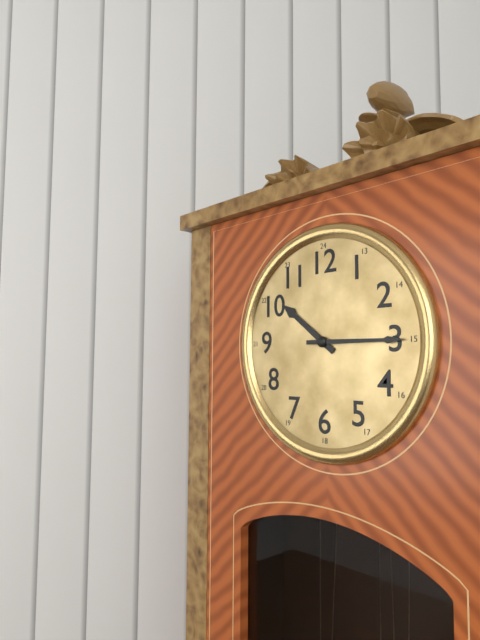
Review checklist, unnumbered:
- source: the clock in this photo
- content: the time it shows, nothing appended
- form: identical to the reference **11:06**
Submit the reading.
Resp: **10:15**
